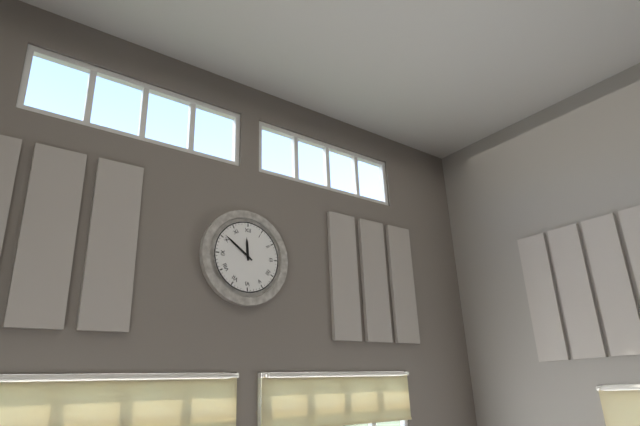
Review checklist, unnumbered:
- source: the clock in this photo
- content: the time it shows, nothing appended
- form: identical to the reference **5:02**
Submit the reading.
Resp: **11:51**
